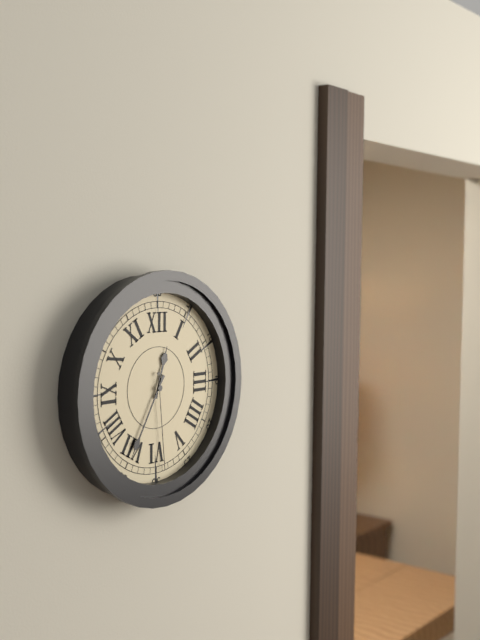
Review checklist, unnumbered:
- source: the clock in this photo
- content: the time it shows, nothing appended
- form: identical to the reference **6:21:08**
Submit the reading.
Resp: **12:35:29**
